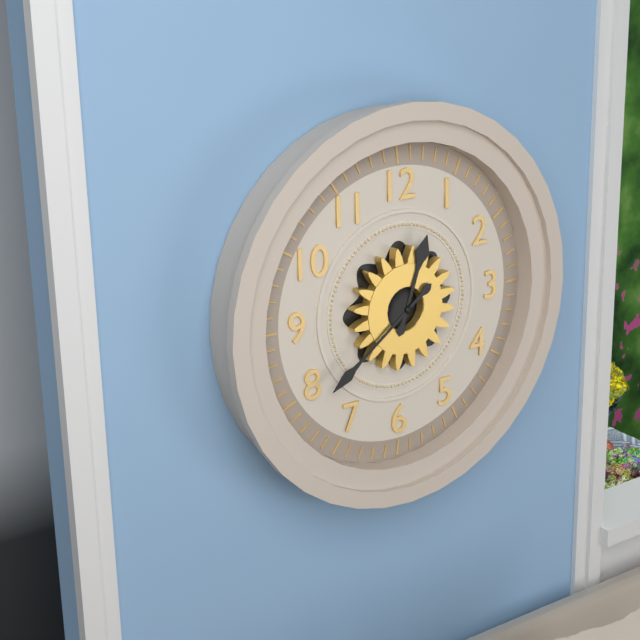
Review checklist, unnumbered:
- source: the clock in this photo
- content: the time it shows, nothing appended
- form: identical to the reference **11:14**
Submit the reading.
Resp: **12:39**
